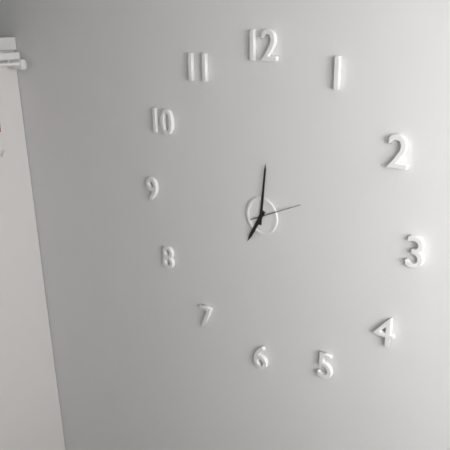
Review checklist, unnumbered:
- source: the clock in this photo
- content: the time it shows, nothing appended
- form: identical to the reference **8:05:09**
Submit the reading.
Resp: **7:01:11**
